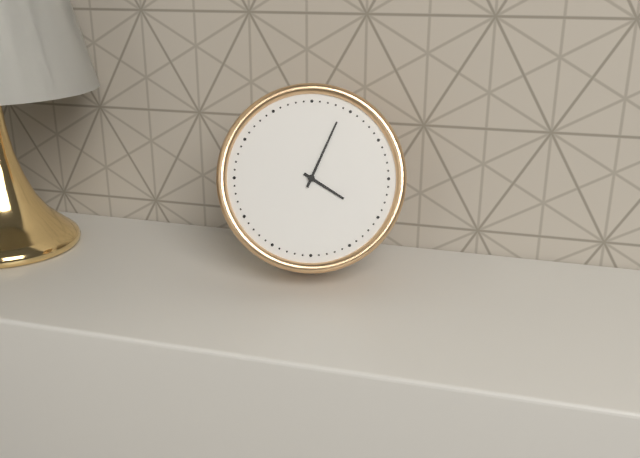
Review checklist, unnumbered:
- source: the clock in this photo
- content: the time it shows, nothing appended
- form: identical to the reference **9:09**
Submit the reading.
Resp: **4:04**
